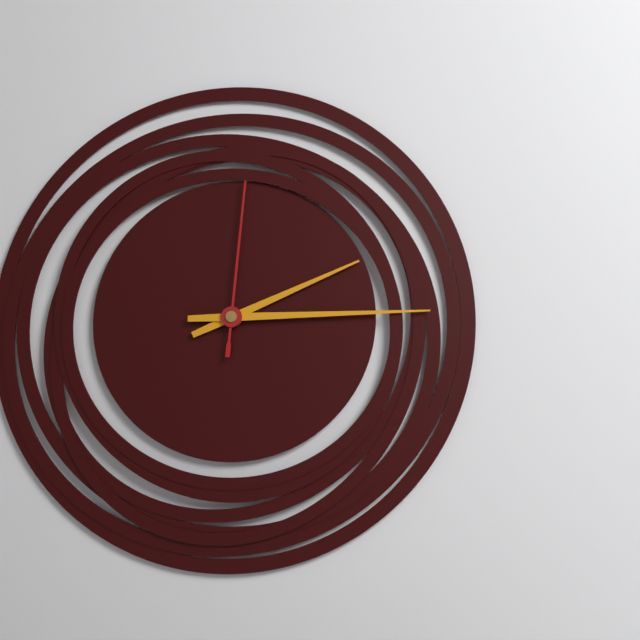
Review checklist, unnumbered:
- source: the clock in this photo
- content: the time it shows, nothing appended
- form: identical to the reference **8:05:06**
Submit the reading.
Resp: **2:15:01**
